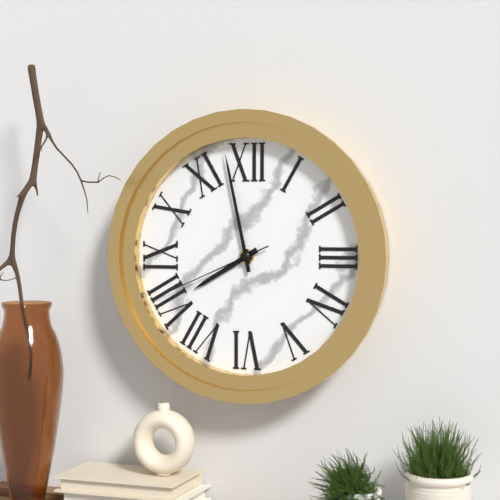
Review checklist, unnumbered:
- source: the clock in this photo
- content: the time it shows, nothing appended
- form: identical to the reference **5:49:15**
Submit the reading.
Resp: **7:58:41**
